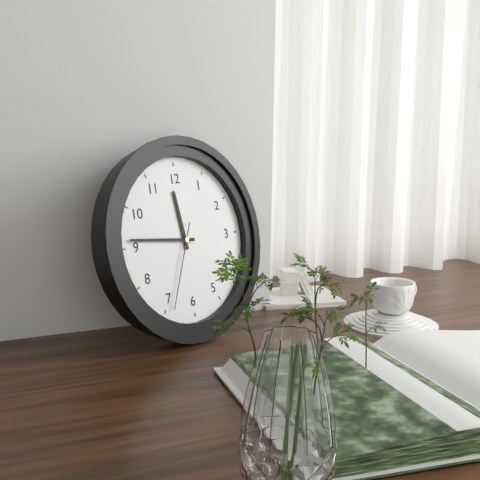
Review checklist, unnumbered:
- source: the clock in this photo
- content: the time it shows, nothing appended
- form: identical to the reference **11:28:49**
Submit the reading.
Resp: **11:46:34**
